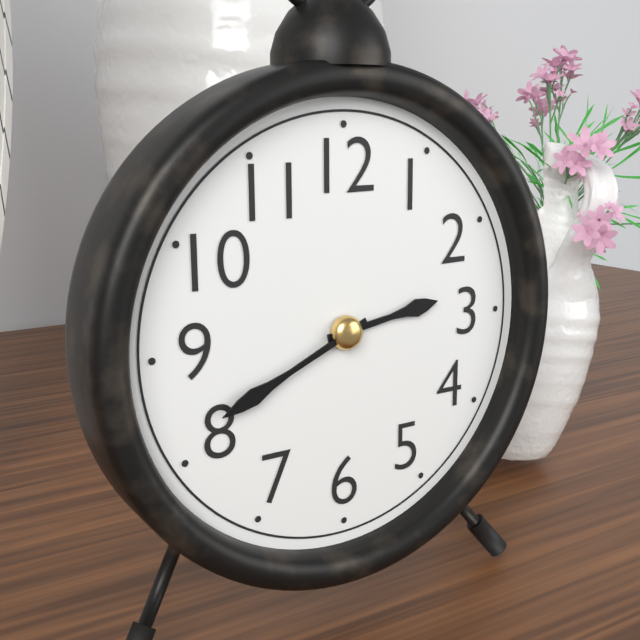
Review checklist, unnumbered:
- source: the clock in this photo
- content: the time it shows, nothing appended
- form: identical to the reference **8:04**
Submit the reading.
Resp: **2:41**
